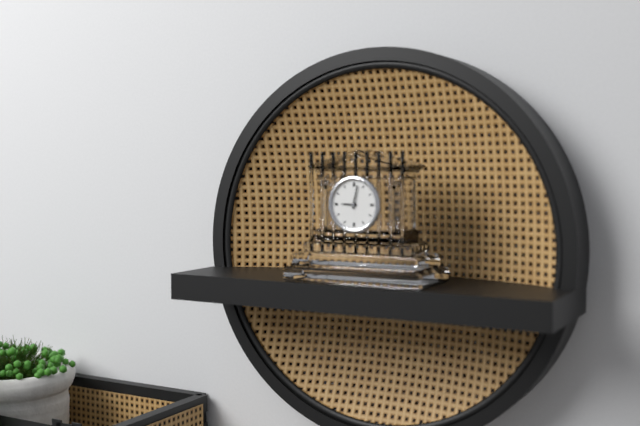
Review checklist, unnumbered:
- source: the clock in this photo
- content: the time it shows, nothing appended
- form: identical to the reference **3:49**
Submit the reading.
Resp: **9:02**
